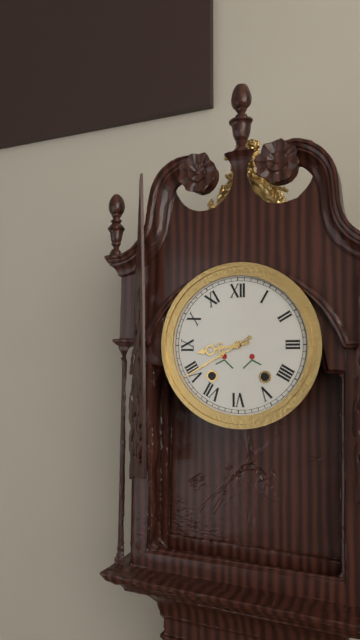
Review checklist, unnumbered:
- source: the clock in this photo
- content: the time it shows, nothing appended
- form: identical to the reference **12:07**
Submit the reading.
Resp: **8:40**
